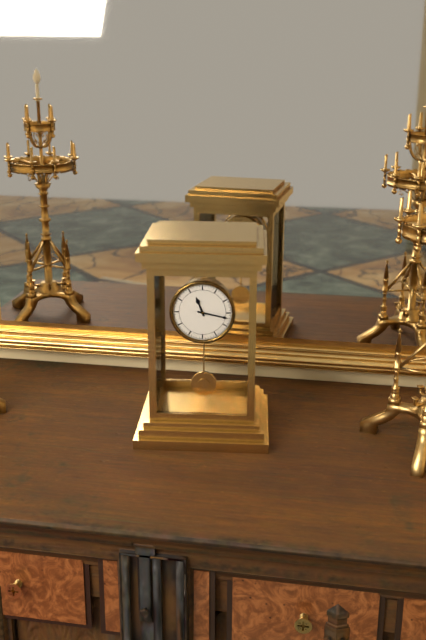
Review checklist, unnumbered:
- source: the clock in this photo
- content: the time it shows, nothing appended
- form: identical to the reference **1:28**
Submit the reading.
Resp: **11:17**
